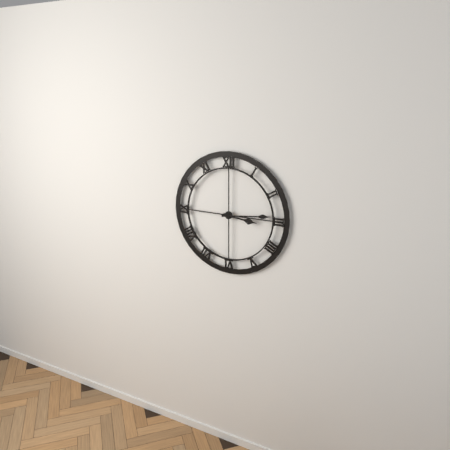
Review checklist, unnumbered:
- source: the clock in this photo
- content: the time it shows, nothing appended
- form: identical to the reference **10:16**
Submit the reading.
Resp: **3:14**
